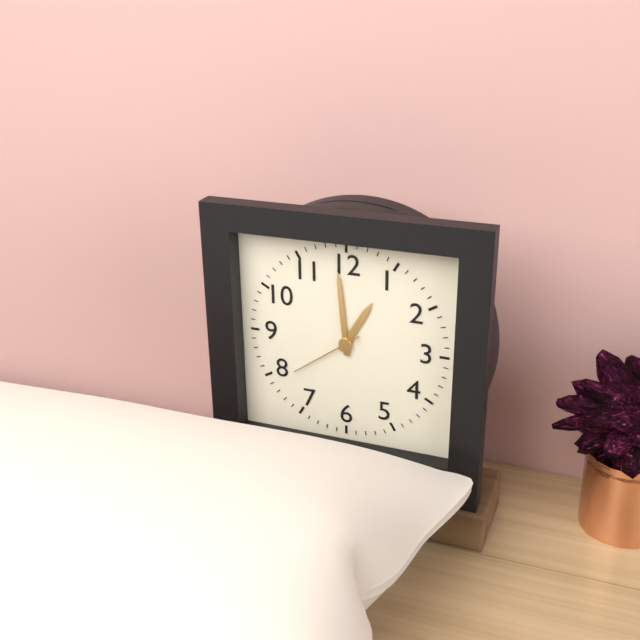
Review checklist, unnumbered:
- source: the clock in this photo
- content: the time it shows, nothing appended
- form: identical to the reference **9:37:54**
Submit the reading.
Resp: **12:59:39**
